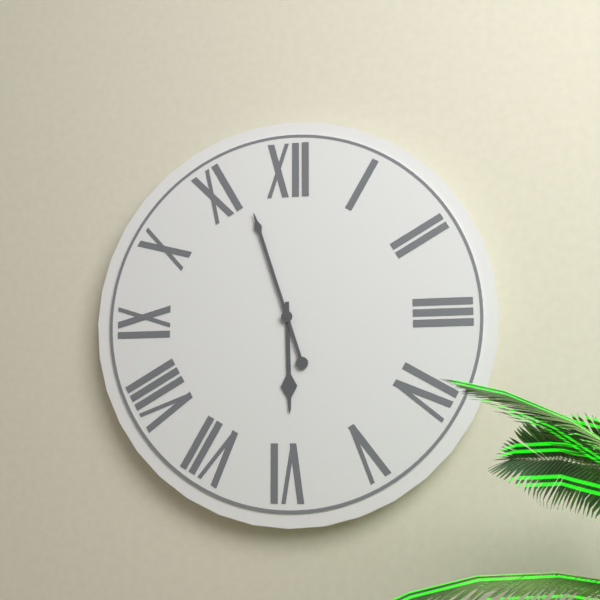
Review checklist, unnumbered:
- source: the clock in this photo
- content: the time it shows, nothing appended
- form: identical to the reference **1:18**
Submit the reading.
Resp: **5:57**
